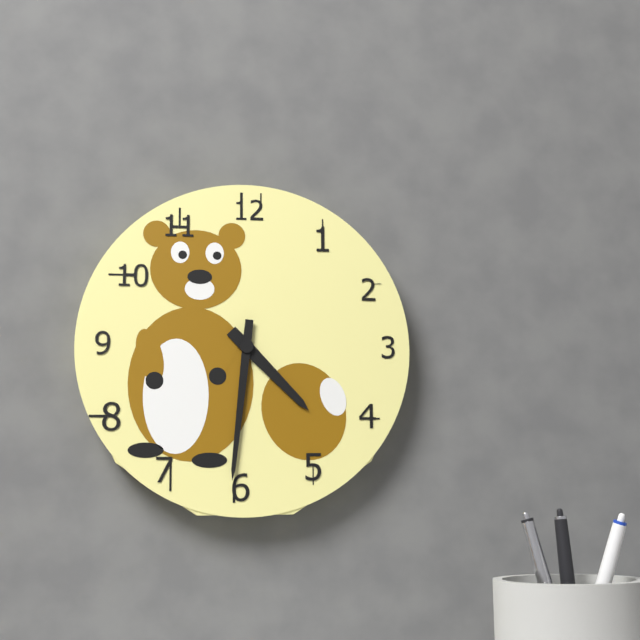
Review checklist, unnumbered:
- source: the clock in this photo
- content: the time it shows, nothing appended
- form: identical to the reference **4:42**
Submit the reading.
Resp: **4:31**
